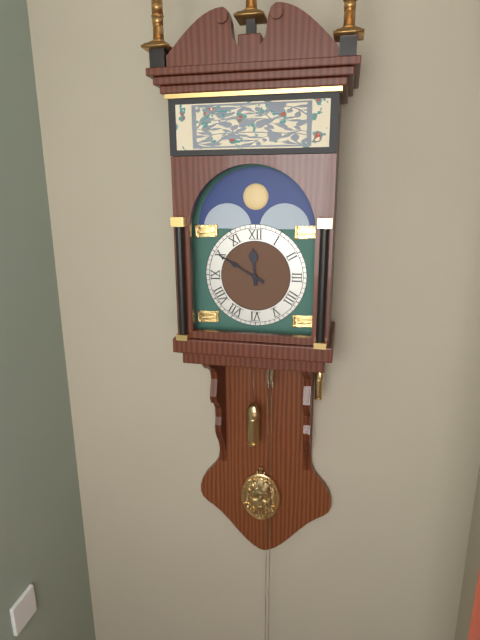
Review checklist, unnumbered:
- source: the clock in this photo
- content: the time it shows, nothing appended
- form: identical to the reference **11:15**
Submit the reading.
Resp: **11:50**
